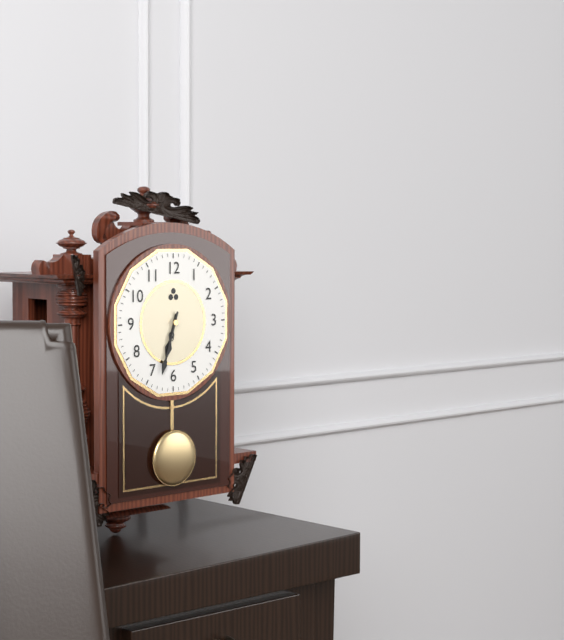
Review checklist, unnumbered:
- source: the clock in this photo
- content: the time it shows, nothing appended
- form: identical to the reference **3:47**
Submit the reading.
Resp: **6:33**
